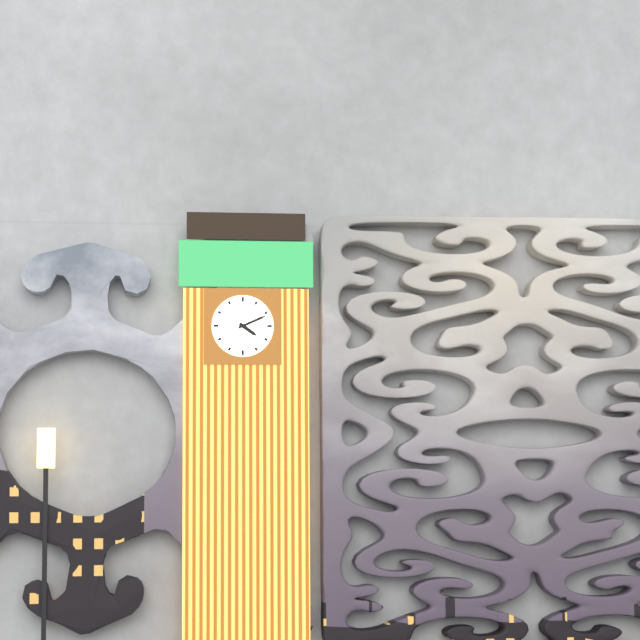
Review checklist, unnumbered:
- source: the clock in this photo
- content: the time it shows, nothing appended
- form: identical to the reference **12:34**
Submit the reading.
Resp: **4:11**
